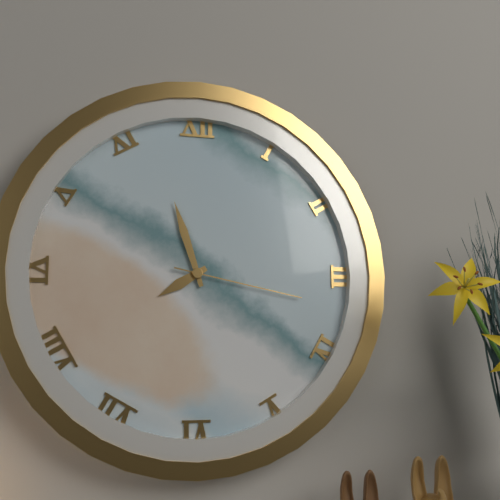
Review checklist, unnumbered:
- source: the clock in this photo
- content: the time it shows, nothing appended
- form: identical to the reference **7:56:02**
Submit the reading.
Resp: **7:57:17**
